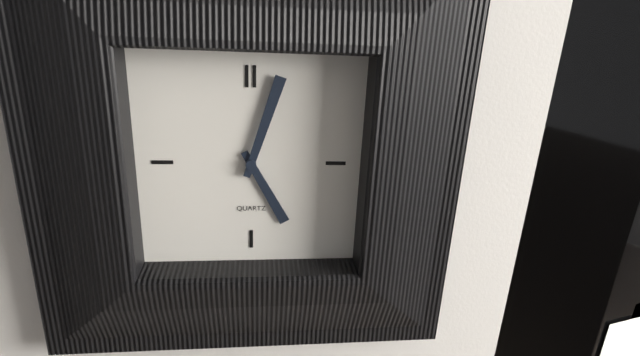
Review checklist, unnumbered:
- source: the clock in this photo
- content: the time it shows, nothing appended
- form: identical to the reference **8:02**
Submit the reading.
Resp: **5:03**
